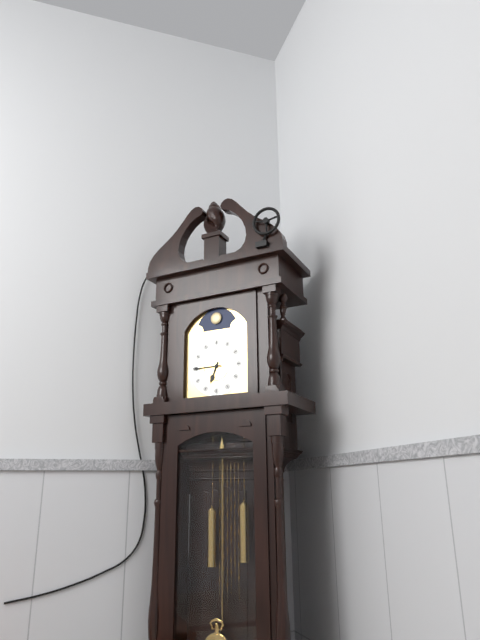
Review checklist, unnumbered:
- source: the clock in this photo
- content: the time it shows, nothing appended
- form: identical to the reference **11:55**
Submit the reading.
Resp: **6:45**
